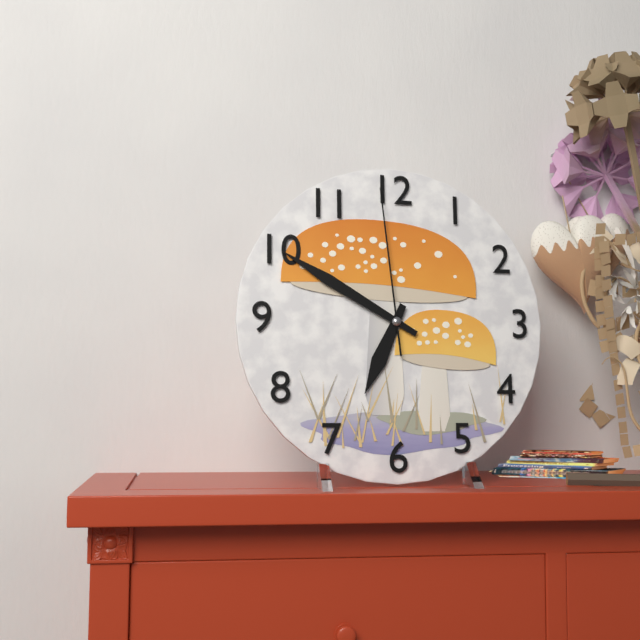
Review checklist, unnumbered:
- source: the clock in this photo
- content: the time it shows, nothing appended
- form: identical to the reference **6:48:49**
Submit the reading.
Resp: **6:50:59**
